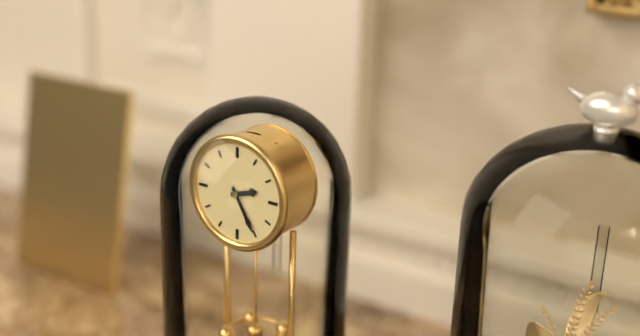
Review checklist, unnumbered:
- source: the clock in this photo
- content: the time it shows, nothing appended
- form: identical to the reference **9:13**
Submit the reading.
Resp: **2:25**
